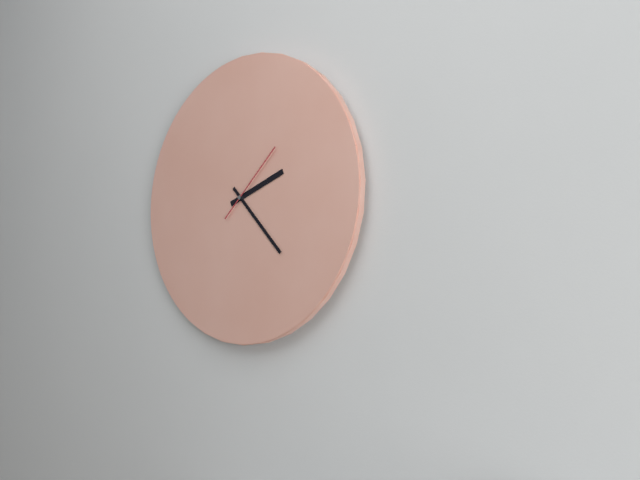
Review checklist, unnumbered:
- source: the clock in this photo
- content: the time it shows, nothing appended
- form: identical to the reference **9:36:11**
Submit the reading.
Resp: **2:23:08**
